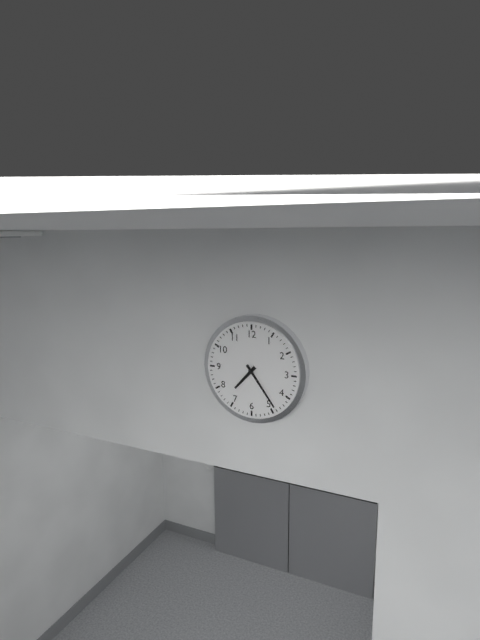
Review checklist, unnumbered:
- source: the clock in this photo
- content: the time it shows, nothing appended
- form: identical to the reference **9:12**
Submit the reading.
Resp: **7:24**
